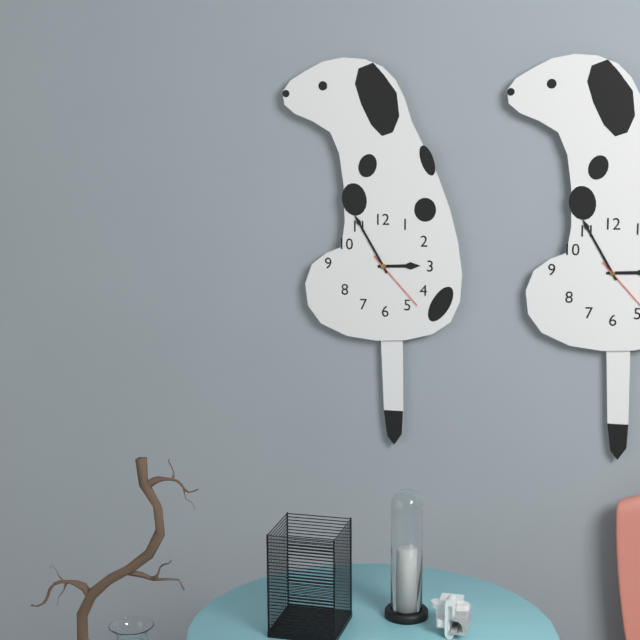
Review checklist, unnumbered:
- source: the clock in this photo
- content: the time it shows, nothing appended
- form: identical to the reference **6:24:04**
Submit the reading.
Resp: **2:55:23**
